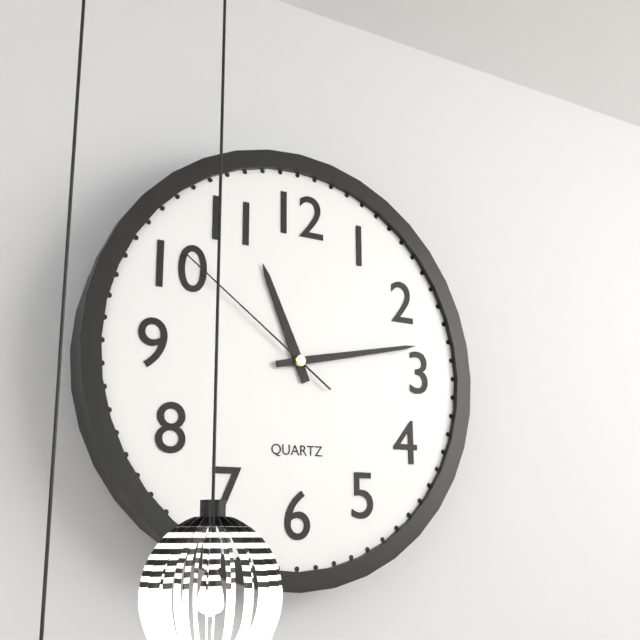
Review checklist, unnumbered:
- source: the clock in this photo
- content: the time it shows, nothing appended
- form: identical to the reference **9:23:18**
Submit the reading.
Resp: **11:13:51**
